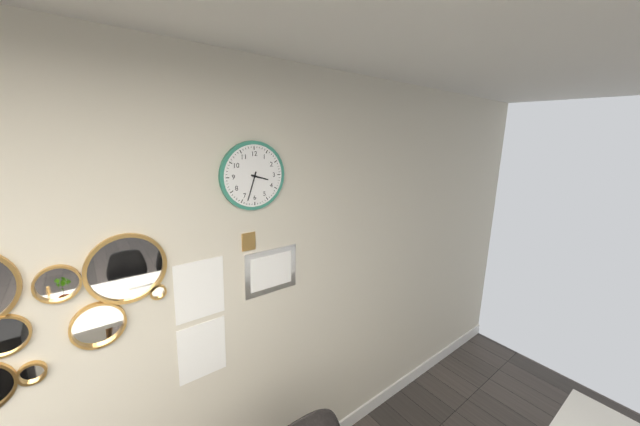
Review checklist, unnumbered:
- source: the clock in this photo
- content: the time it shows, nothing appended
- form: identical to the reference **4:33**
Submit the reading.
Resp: **3:33**
